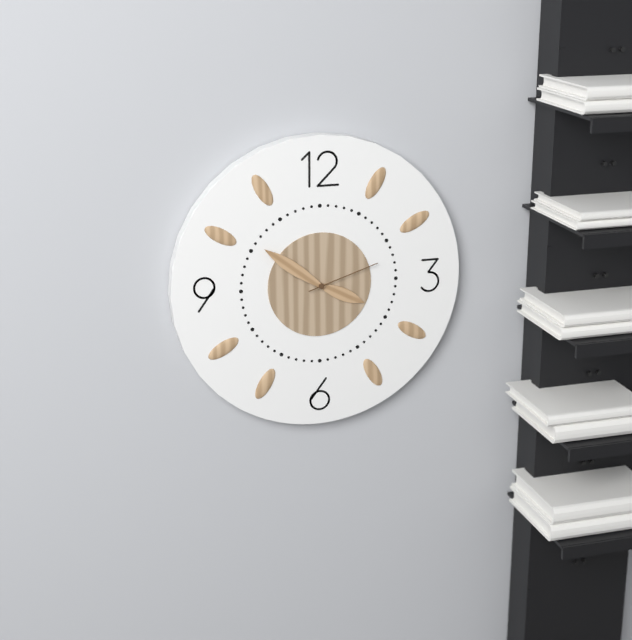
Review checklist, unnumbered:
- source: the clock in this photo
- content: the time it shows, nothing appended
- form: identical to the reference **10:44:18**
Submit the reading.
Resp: **3:51:12**
